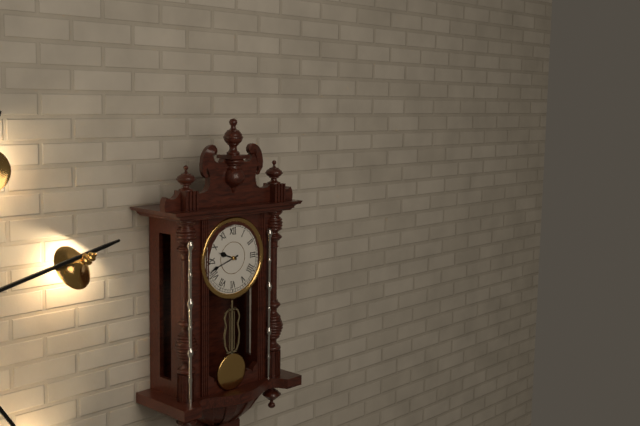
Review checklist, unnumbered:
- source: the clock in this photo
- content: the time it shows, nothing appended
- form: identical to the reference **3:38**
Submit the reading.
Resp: **9:42**
